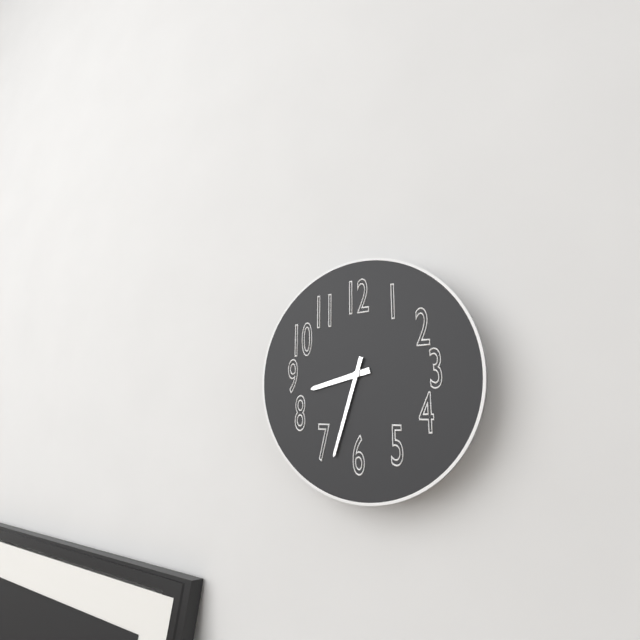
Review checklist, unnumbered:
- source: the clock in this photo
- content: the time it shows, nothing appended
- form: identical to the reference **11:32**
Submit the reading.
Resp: **8:33**
